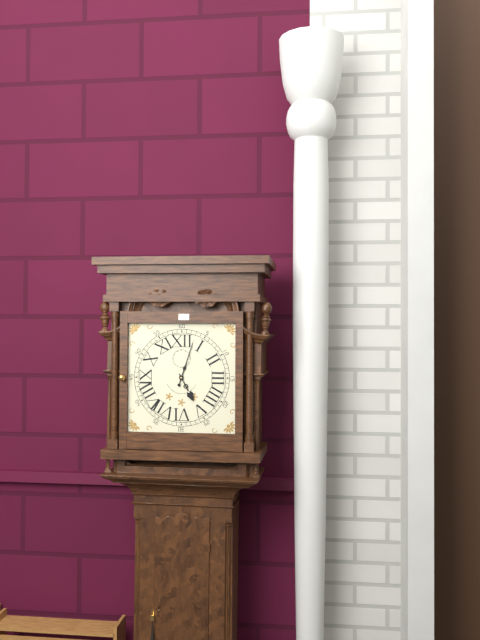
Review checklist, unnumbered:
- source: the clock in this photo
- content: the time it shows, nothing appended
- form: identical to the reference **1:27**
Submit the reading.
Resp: **5:03**
